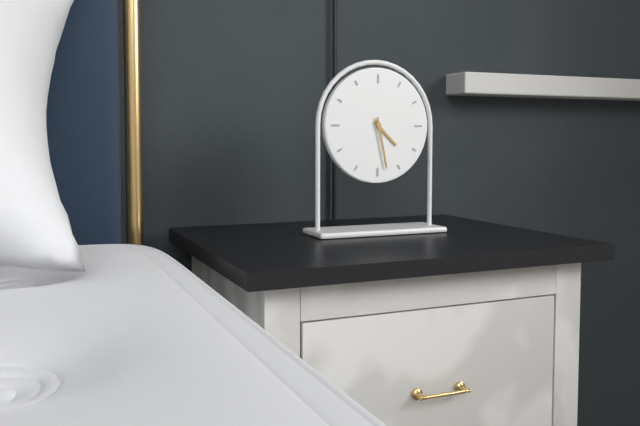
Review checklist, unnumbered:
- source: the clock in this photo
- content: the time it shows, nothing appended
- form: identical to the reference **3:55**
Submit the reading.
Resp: **4:28**
